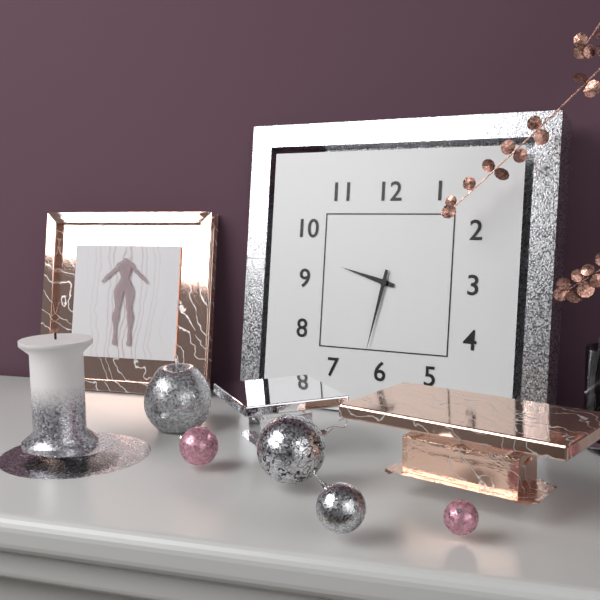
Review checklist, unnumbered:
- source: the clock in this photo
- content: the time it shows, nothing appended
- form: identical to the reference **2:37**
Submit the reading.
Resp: **9:32**
